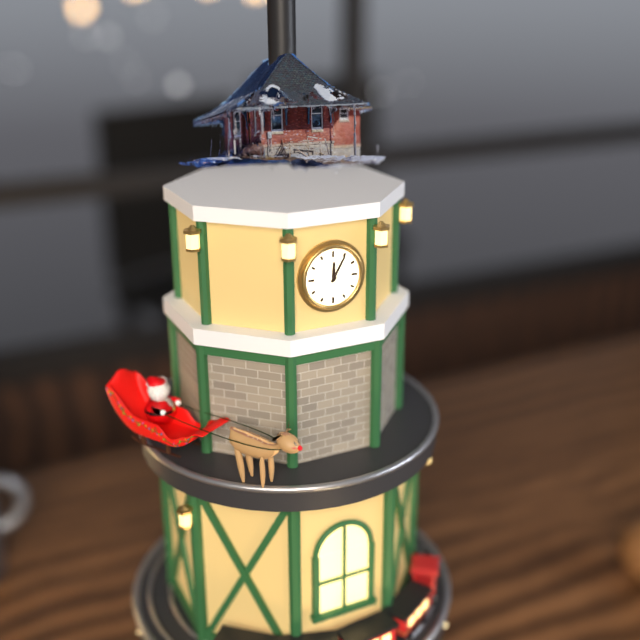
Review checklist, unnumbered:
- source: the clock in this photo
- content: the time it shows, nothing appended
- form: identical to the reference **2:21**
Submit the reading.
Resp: **12:05**
